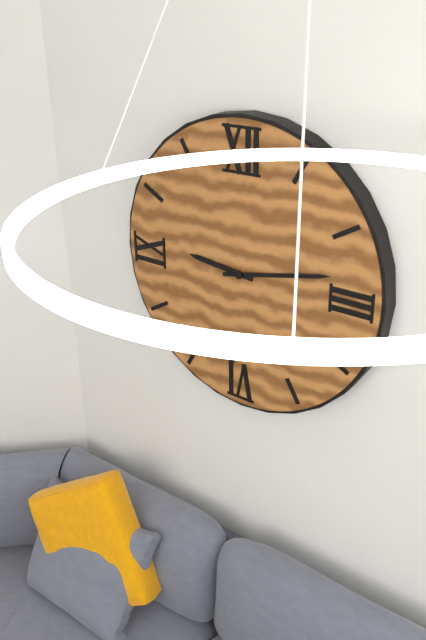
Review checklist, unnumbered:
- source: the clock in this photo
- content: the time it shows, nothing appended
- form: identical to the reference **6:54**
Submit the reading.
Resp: **9:13**
